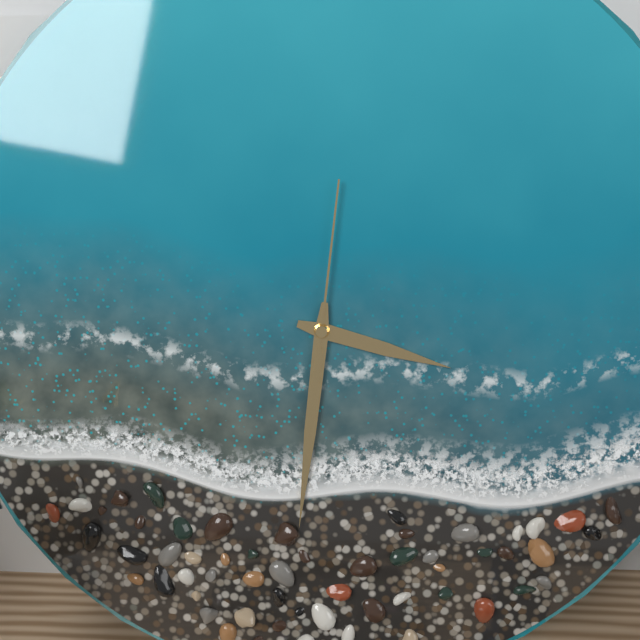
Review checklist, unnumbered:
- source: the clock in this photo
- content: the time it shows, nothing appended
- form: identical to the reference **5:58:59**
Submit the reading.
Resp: **3:31:01**
